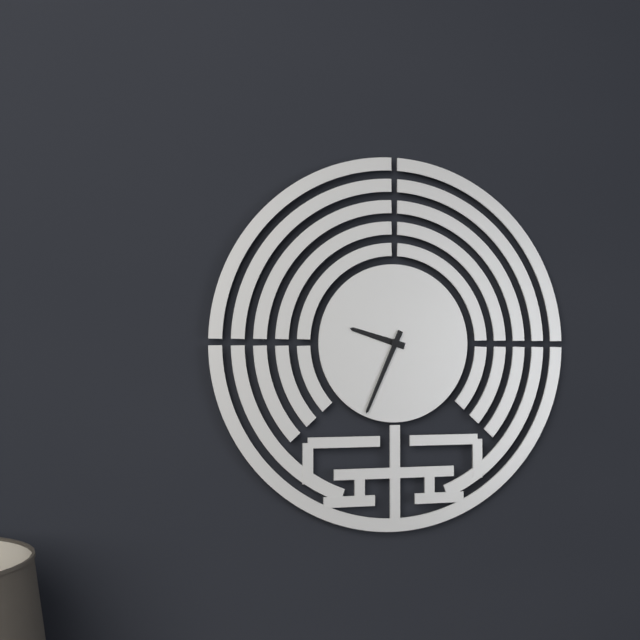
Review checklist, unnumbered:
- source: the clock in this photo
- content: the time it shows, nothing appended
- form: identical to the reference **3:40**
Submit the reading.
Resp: **9:34**
